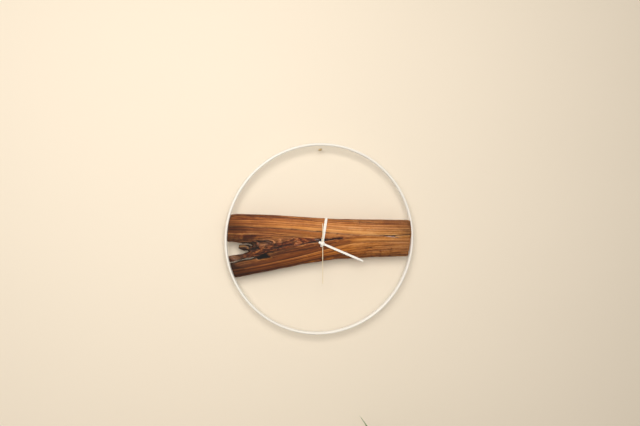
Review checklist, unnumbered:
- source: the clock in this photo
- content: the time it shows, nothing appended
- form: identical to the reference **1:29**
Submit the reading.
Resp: **12:19**
